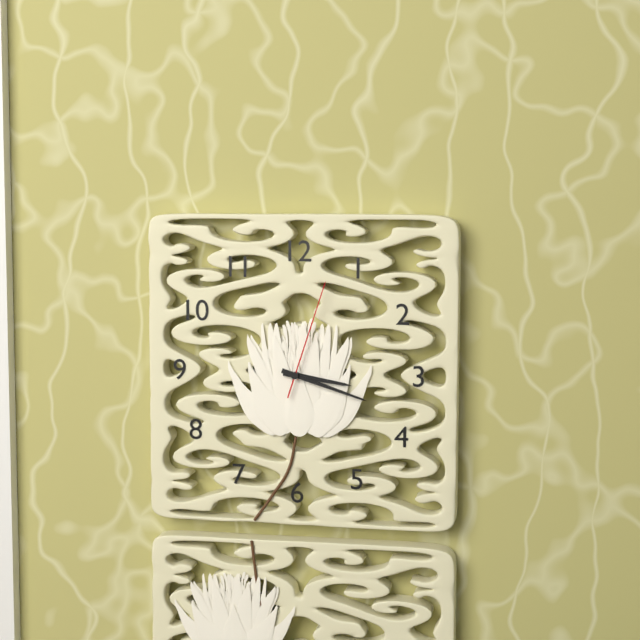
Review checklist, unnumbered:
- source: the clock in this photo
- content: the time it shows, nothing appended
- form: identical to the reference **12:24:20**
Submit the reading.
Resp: **3:18:03**
